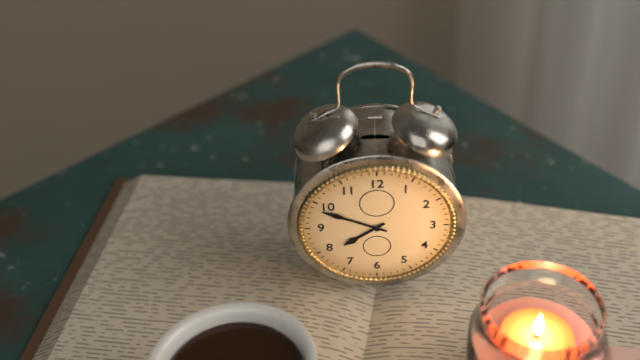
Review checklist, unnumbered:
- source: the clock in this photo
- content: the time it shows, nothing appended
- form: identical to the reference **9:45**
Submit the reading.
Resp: **7:49**
